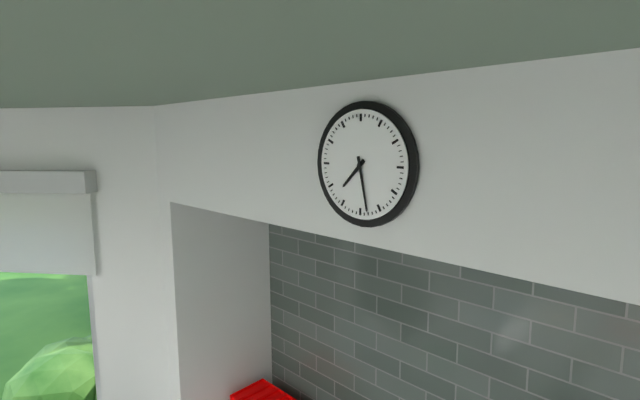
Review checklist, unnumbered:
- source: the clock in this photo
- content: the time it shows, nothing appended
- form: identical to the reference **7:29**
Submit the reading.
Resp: **7:28**
